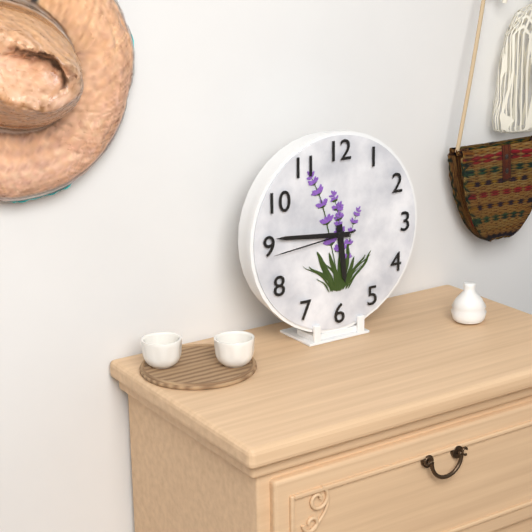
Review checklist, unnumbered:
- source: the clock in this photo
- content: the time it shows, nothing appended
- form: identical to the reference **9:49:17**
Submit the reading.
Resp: **5:46:44**
